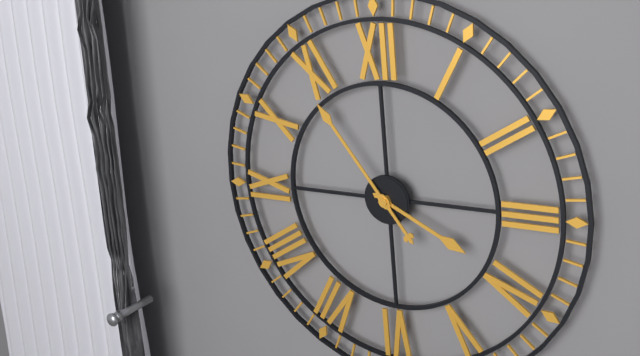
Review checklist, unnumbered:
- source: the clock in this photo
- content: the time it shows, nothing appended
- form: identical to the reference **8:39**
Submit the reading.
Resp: **3:54**
